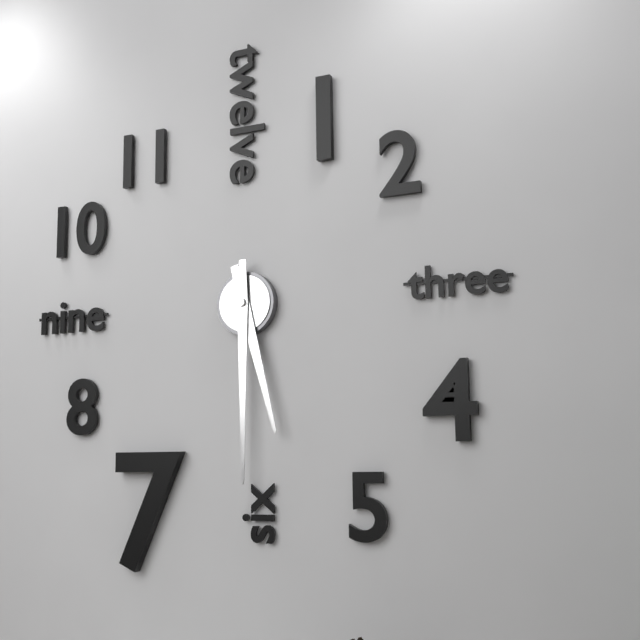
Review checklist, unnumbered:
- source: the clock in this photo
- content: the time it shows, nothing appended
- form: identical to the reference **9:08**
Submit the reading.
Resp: **5:30**
